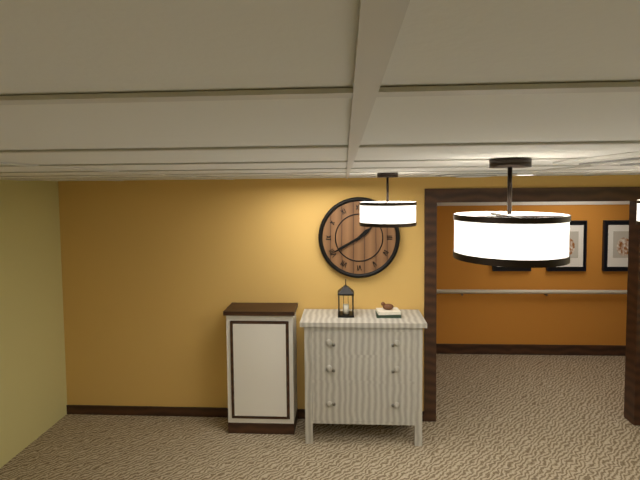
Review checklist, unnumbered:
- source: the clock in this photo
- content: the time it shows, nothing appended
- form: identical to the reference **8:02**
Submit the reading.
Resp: **1:40**
